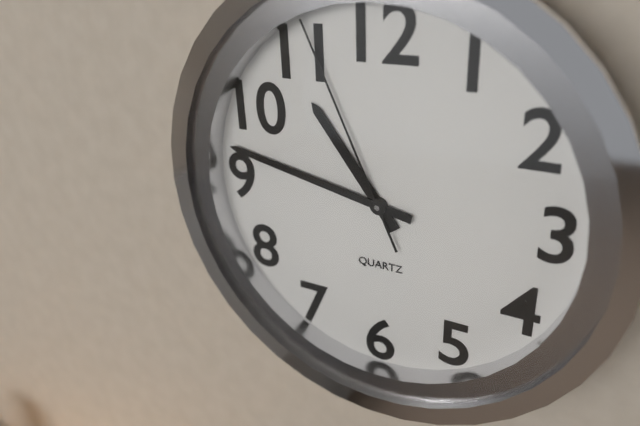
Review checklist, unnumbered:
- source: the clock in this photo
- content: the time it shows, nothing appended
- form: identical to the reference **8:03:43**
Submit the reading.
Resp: **10:47:56**
